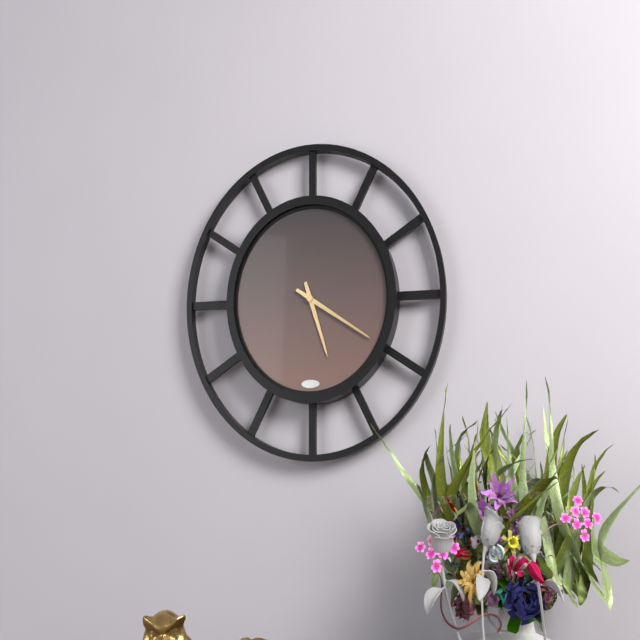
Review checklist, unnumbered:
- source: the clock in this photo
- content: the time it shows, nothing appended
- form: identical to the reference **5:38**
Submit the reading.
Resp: **5:20**
